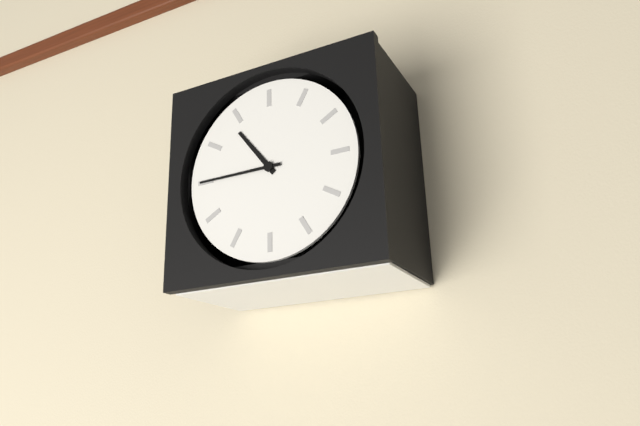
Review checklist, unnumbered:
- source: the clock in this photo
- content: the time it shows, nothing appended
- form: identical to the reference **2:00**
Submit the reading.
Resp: **10:45**
